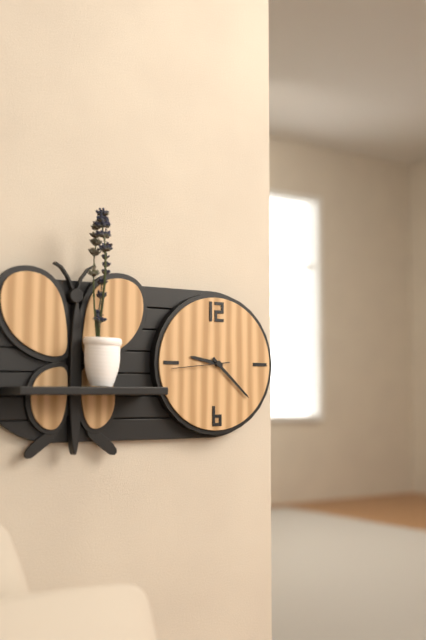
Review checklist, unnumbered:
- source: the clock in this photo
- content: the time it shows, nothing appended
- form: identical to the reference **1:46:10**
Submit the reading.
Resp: **9:22:44**
